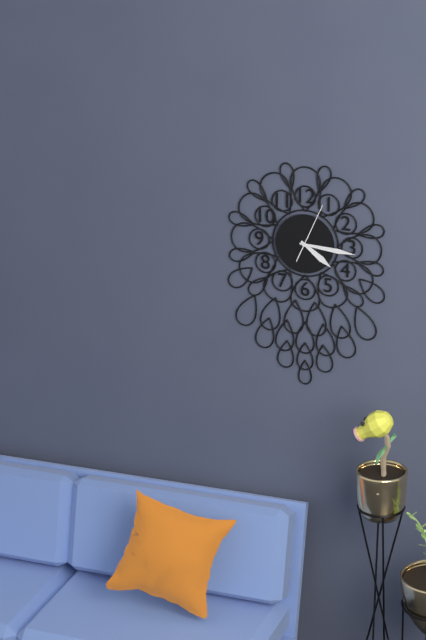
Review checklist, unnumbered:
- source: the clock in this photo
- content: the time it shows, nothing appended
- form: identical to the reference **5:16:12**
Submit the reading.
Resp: **4:16:04**
